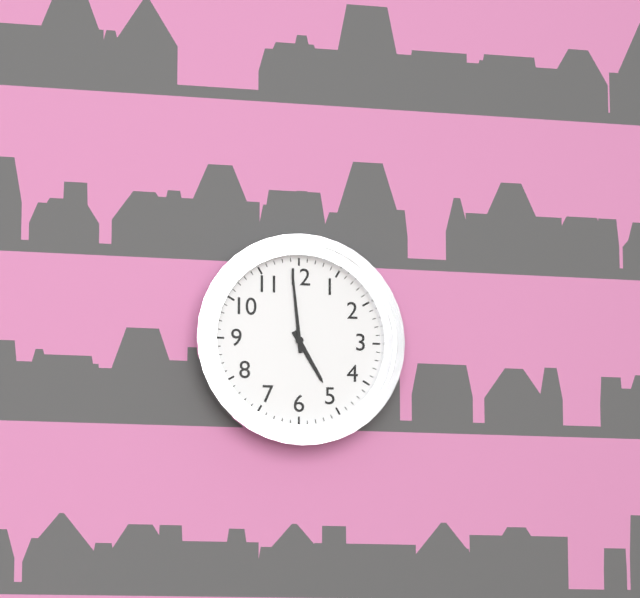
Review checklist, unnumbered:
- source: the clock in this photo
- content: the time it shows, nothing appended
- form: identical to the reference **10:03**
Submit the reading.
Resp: **4:59**
